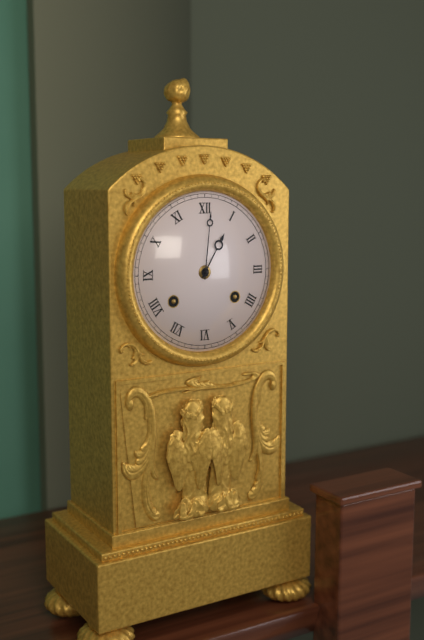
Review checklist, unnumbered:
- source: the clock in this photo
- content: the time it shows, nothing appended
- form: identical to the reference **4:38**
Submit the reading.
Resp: **1:01**
